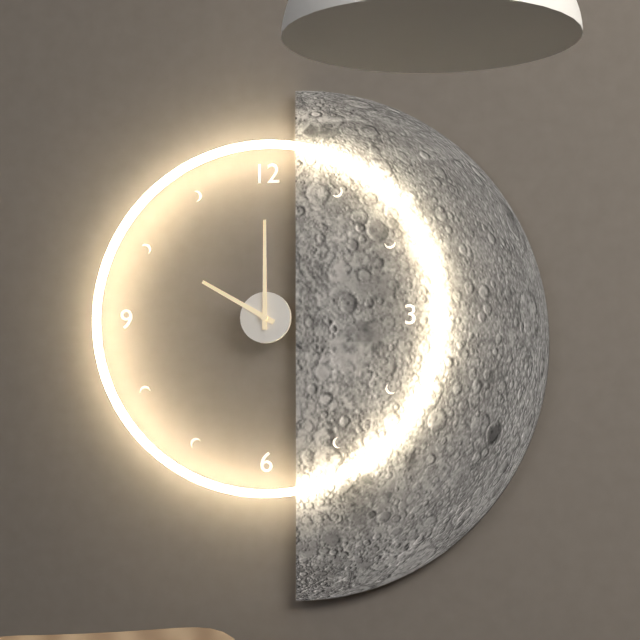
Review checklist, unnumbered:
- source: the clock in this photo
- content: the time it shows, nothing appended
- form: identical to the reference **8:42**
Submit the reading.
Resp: **10:00**
